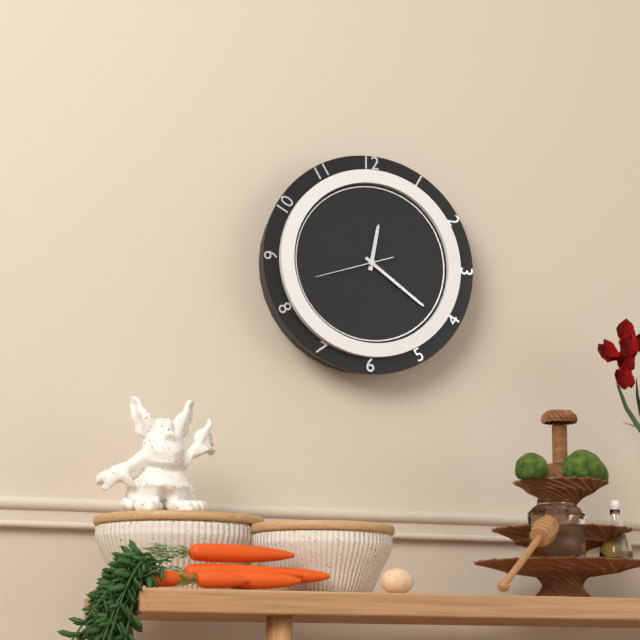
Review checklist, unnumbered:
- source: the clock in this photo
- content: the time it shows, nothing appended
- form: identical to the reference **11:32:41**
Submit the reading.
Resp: **12:21:42**
